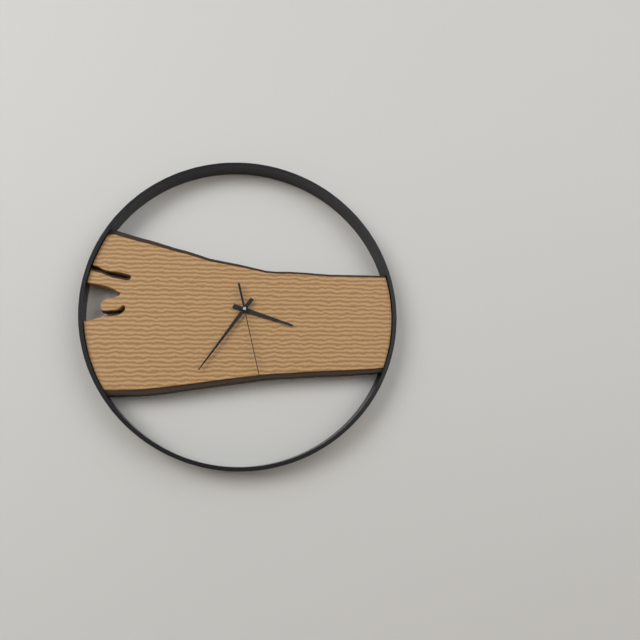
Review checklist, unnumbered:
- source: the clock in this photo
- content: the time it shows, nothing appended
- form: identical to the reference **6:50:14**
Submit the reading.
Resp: **3:36:28**
